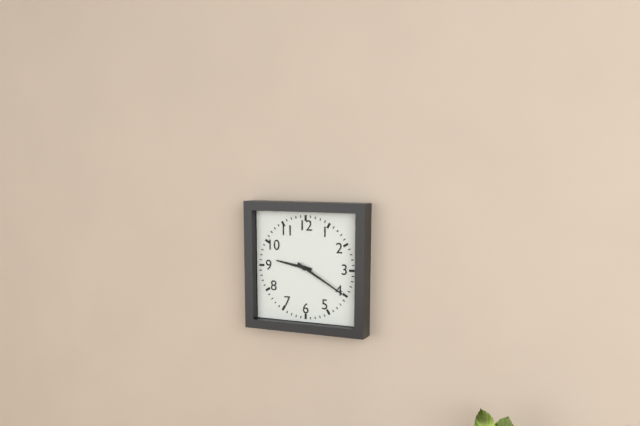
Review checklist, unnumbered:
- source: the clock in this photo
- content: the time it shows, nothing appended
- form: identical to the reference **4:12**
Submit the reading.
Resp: **9:20**
